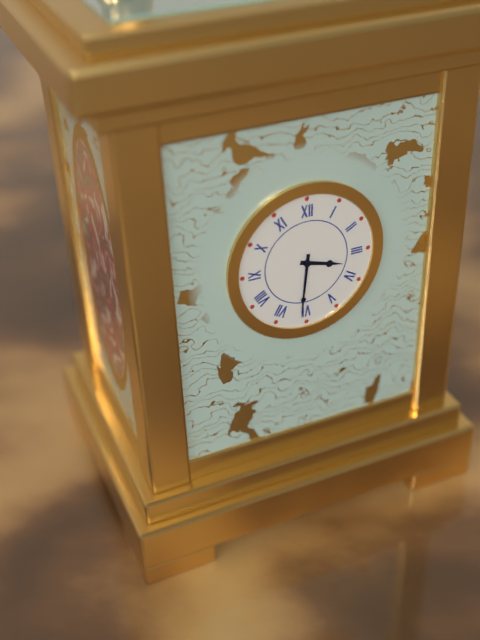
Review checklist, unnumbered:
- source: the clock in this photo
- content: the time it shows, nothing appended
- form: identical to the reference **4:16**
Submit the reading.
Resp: **3:31**
